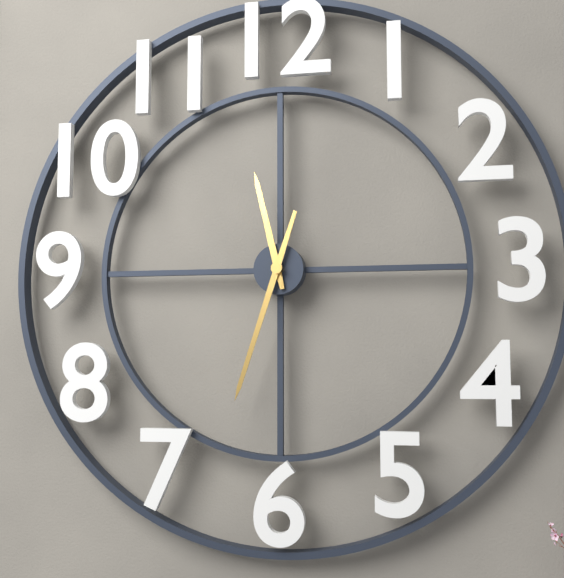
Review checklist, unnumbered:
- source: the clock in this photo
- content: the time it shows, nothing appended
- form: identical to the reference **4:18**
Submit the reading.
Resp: **11:33**
